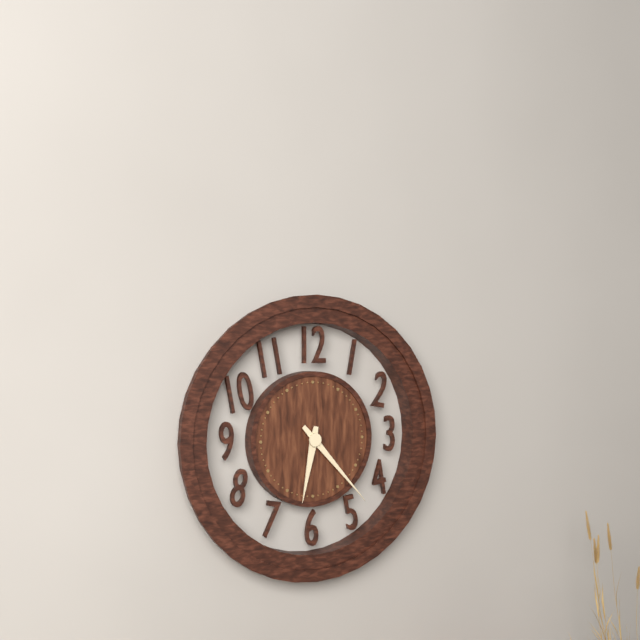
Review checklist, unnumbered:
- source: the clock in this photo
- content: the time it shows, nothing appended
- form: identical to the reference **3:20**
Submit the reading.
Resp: **6:23**
